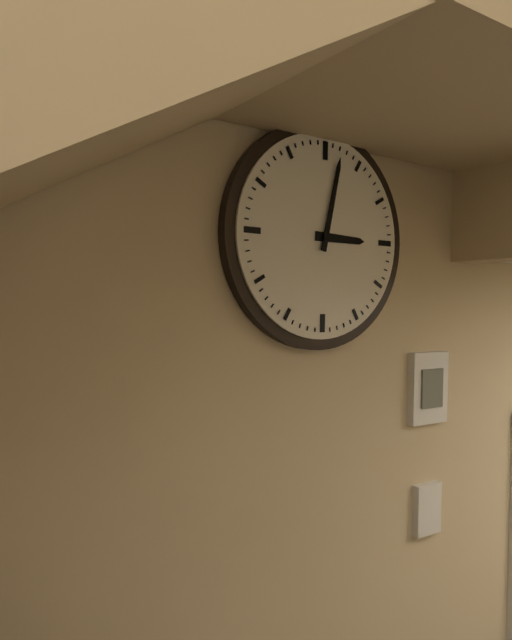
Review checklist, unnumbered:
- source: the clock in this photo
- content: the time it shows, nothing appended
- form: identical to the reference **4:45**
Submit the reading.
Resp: **3:02**
